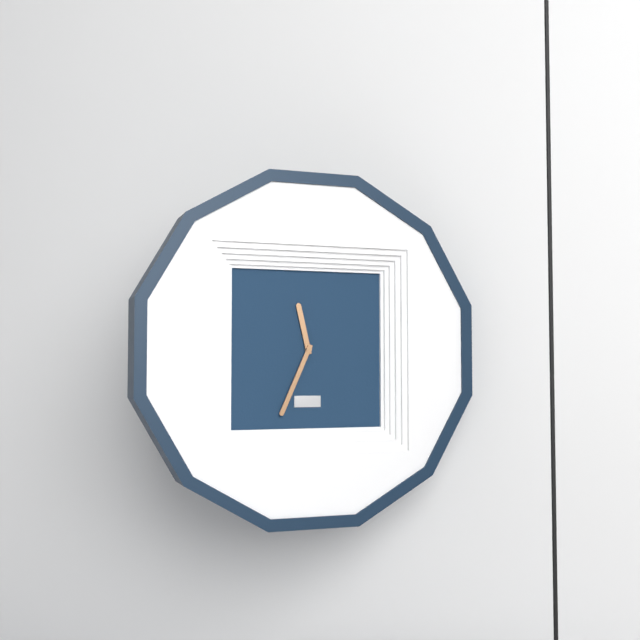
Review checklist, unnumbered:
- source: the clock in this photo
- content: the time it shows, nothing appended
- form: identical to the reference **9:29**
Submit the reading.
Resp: **11:34**
